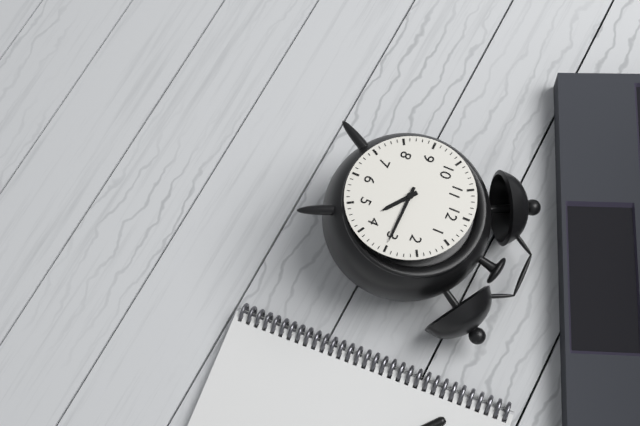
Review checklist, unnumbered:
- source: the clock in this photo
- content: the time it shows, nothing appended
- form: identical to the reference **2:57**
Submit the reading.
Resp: **4:15**
